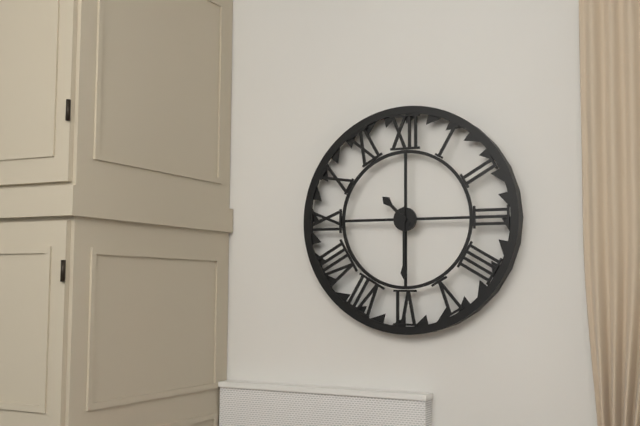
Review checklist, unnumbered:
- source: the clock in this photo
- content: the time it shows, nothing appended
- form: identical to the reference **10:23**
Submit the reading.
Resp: **10:30**
